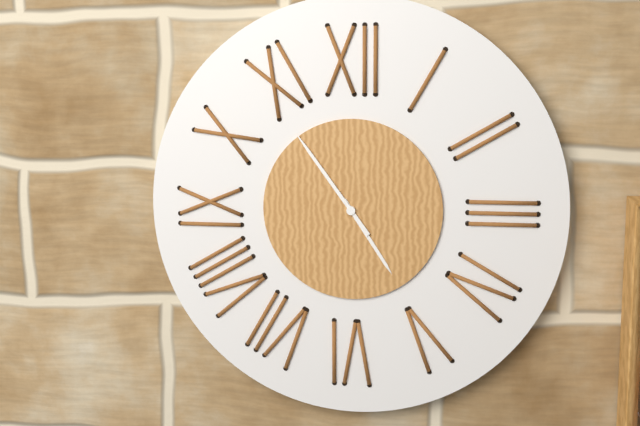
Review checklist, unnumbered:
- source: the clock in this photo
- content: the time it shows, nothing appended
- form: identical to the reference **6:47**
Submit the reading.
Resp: **4:54**
